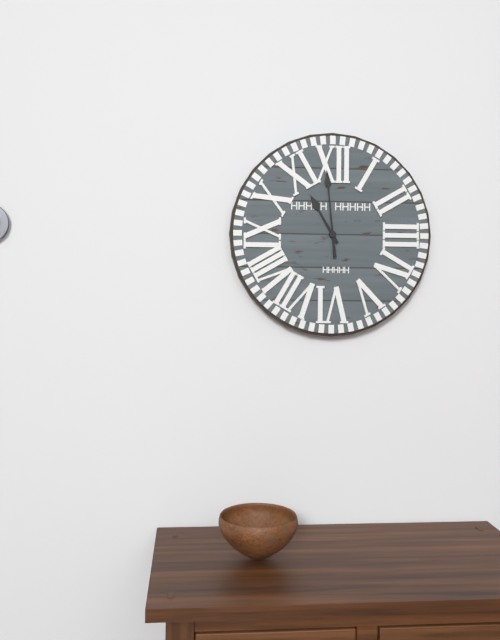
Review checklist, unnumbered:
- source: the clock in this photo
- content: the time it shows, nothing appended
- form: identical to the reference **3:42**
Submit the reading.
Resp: **10:59**
